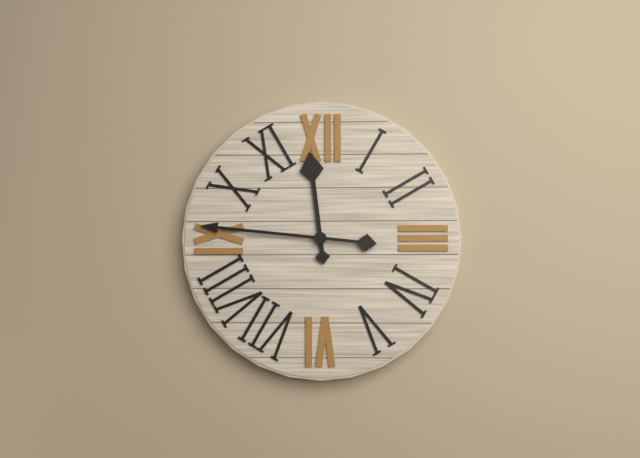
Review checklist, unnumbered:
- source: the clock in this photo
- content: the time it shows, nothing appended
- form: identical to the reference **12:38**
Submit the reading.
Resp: **11:46**
